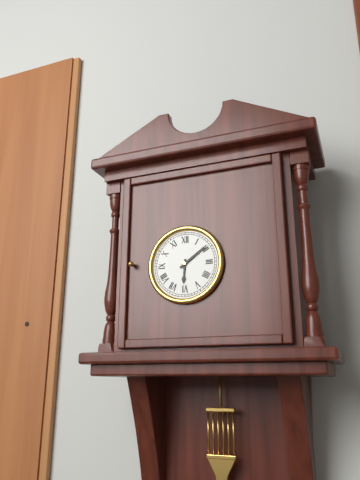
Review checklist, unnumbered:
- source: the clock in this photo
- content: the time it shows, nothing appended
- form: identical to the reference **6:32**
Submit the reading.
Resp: **6:09**
